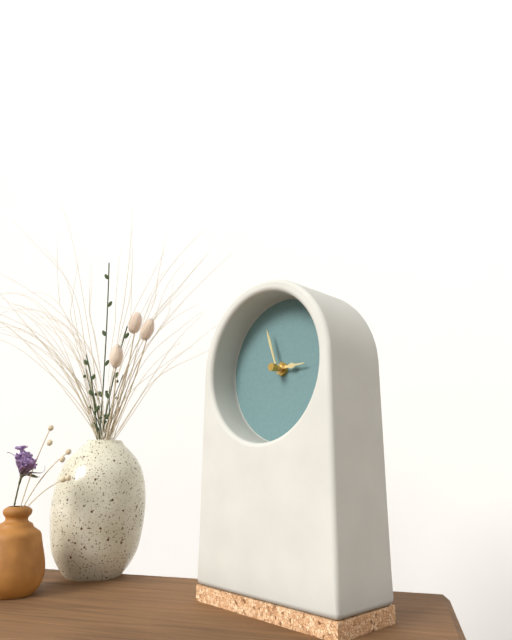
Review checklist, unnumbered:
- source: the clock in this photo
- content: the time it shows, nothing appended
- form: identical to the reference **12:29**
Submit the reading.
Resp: **2:57**
